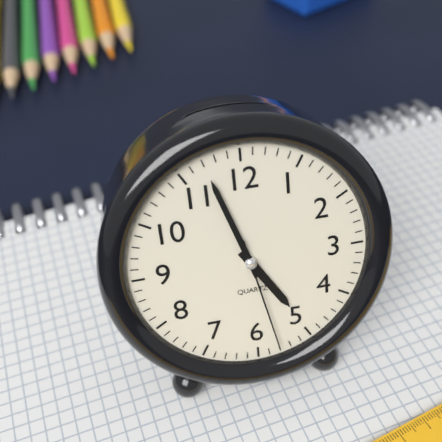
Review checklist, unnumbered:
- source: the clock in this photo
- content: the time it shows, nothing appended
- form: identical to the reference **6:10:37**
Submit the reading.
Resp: **4:57:28**
